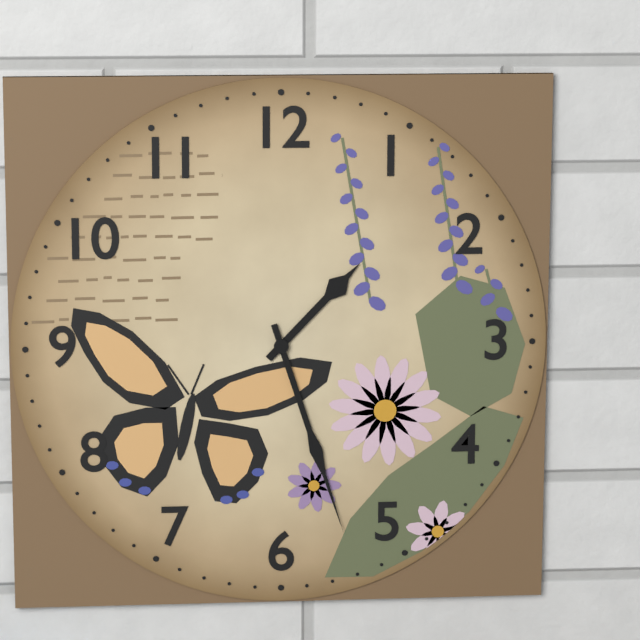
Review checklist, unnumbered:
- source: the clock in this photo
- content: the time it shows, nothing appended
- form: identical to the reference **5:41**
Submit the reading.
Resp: **1:27**
